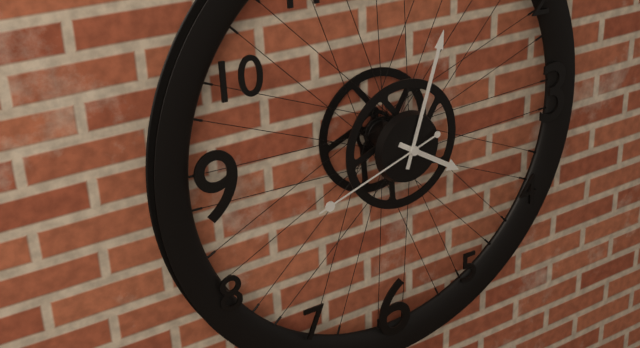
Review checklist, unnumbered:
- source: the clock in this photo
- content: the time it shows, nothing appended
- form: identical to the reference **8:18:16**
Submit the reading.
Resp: **4:03:42**
